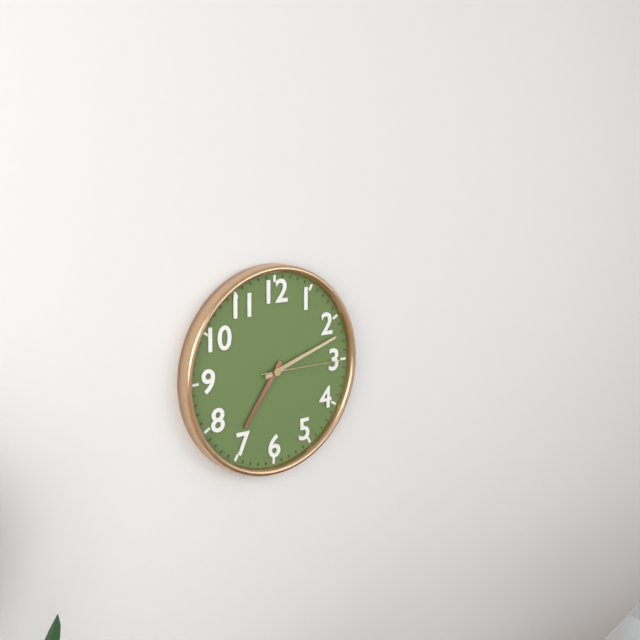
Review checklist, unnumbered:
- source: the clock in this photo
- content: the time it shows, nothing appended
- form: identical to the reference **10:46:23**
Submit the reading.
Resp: **7:12:15**
